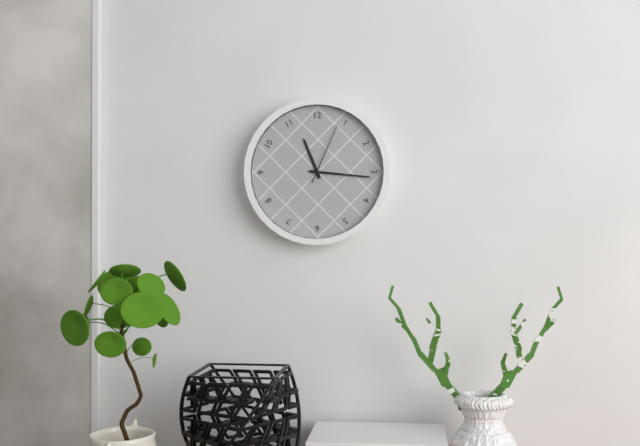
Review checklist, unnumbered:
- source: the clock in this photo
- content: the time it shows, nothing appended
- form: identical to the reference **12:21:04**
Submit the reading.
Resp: **11:16:04**
